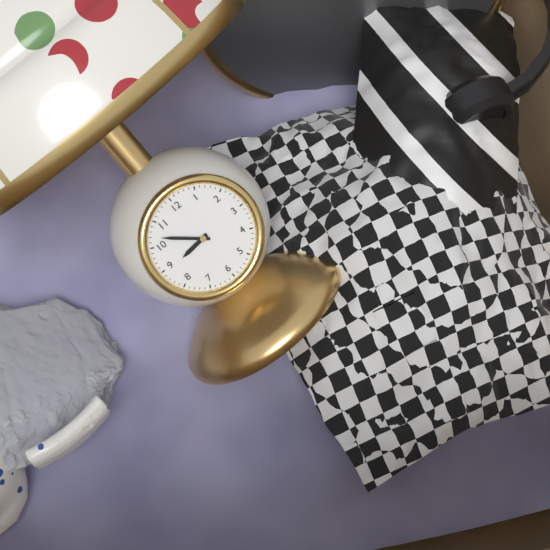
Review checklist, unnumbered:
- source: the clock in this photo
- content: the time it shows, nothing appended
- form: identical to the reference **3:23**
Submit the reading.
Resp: **8:52**
